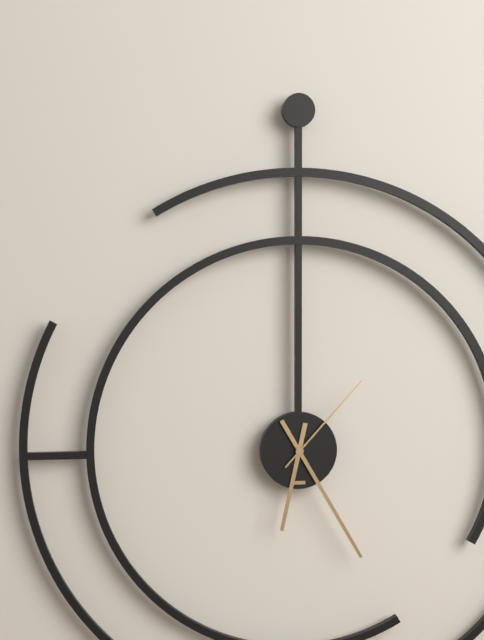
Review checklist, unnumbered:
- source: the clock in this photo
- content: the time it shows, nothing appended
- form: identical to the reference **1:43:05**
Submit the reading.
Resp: **6:25:07**
